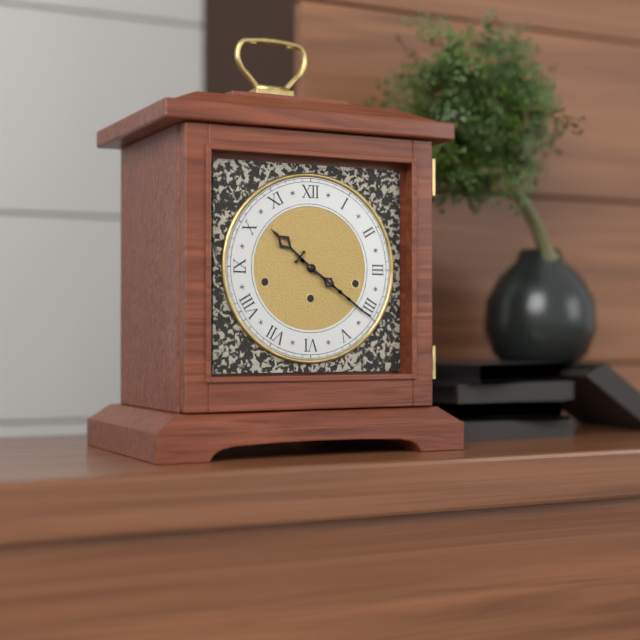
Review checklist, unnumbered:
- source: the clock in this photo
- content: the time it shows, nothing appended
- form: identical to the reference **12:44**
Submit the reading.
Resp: **10:21**
